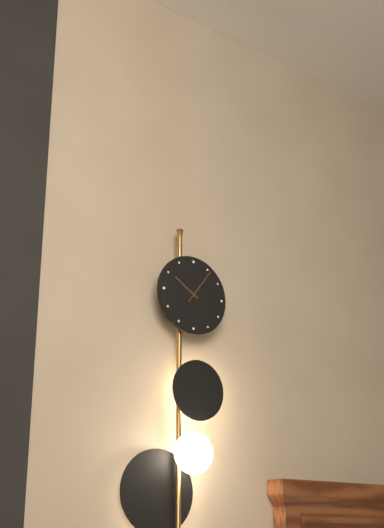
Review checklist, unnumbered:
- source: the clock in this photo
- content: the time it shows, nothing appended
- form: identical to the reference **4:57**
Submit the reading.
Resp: **10:06**
